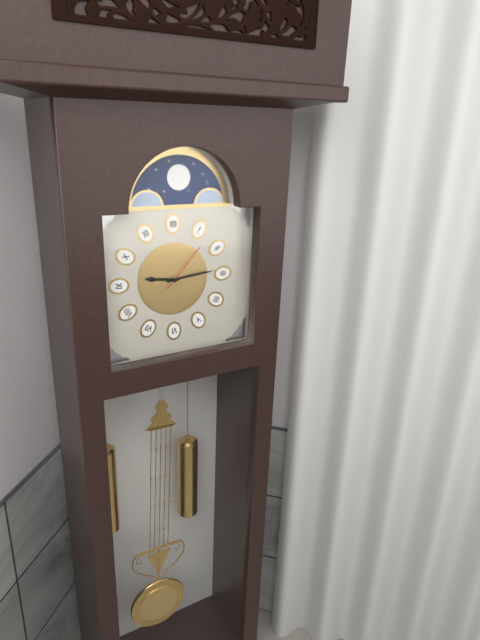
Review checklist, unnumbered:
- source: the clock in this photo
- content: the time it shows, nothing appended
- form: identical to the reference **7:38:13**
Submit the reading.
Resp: **9:14:07**
